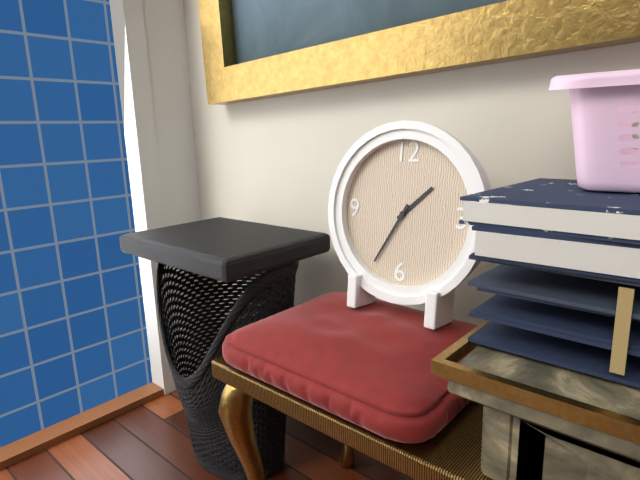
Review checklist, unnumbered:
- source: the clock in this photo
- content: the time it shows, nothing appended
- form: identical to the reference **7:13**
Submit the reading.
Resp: **1:35**
